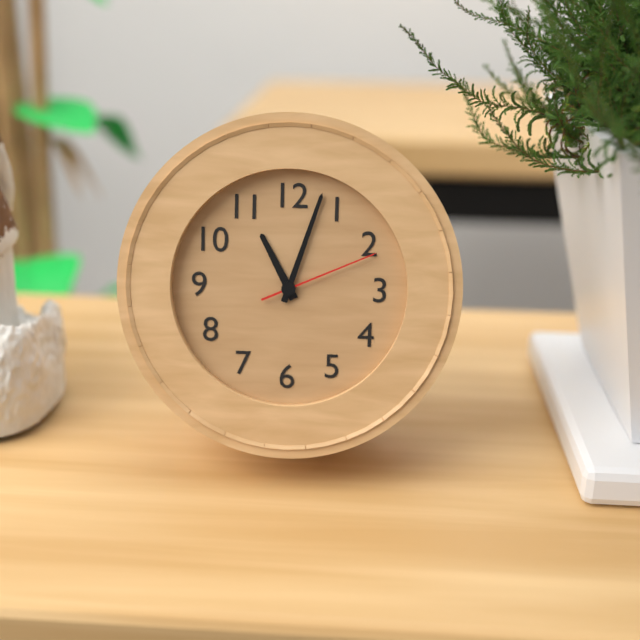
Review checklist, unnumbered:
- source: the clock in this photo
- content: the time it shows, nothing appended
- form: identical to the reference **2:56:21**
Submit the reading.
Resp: **11:03:11**
